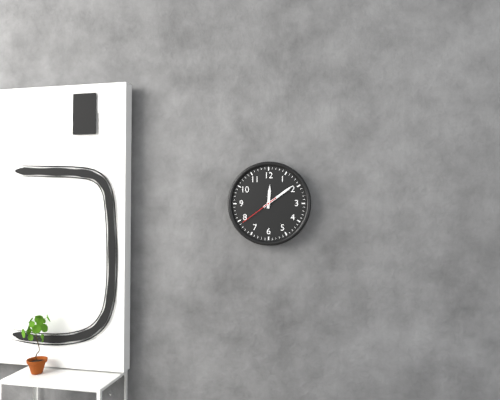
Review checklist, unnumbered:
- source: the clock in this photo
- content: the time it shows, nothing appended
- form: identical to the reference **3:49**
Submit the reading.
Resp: **12:09**
